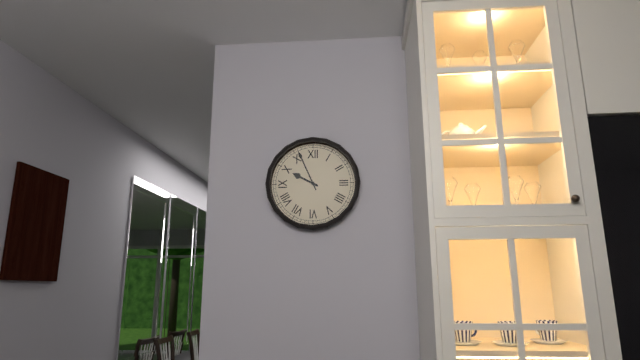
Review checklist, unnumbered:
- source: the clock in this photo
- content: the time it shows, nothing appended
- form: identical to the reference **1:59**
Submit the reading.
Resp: **9:56**
